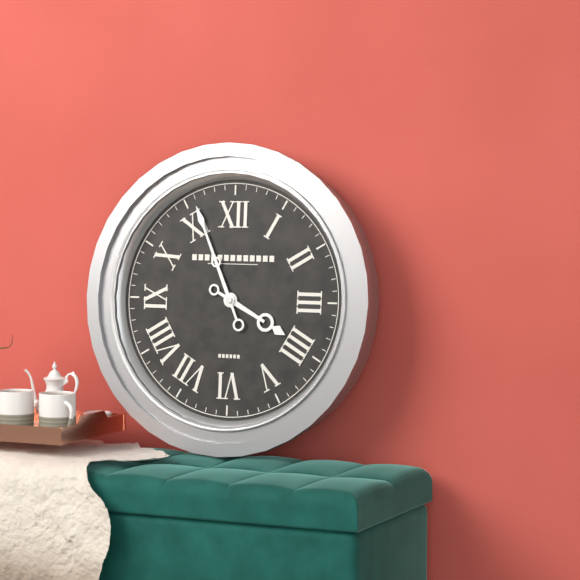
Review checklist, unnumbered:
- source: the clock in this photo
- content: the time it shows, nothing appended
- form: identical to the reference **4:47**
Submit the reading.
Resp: **3:56**
